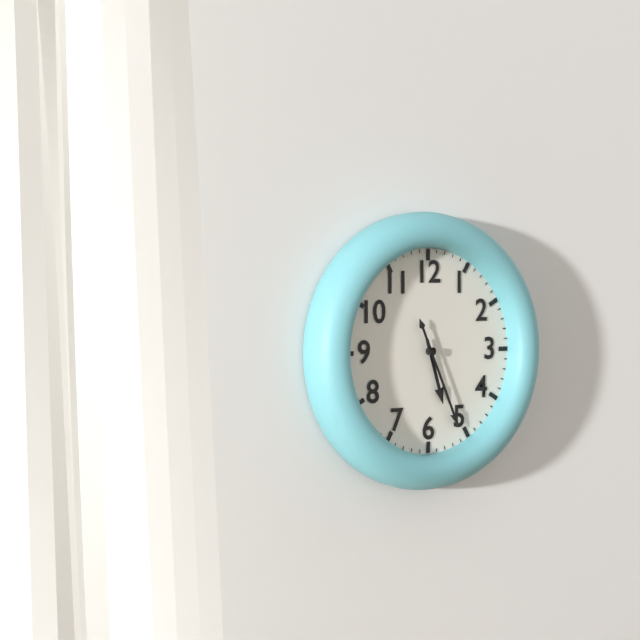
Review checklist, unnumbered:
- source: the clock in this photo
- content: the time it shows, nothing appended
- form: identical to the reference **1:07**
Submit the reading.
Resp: **5:26**
